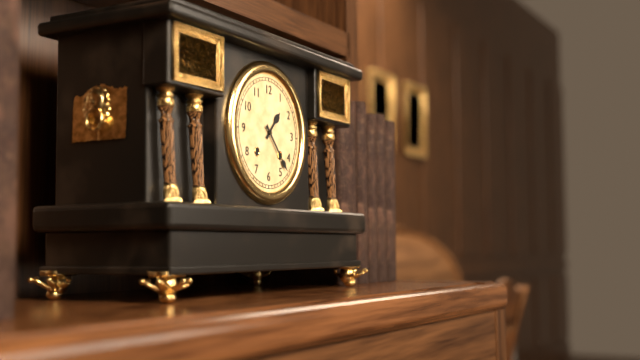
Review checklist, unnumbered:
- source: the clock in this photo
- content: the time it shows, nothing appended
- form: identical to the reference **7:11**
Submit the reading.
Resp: **1:23**
